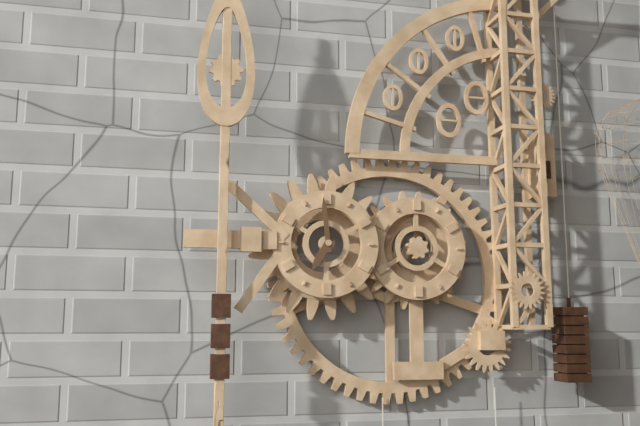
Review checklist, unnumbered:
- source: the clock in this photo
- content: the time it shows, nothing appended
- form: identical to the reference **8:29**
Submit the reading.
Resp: **6:59**
